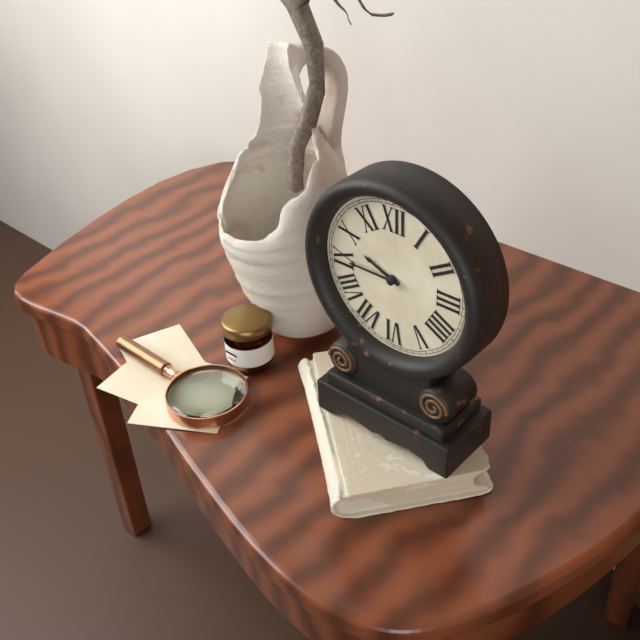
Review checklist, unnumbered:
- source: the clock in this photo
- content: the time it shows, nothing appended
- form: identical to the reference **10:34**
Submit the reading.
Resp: **9:45**
